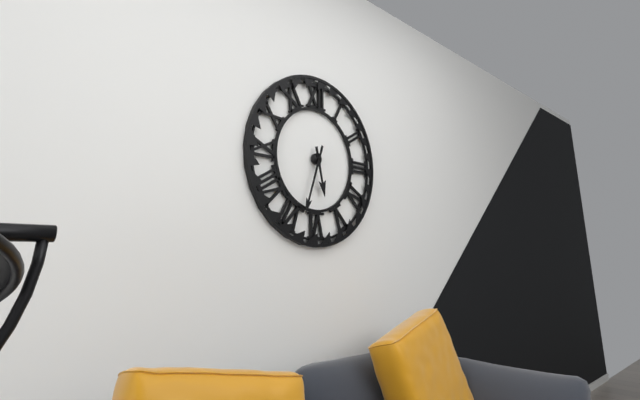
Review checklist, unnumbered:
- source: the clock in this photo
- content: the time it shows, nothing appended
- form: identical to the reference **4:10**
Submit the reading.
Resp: **5:33**
